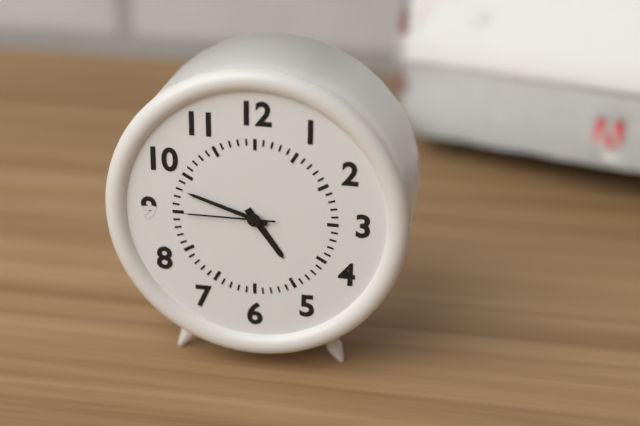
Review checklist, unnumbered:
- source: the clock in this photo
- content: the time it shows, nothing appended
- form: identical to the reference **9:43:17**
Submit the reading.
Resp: **4:48:45**
